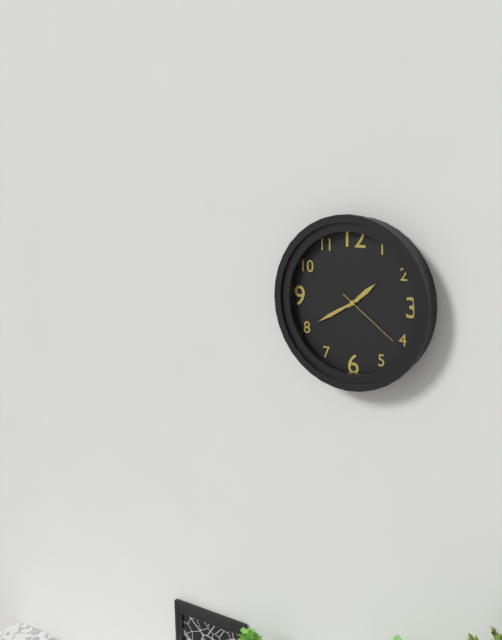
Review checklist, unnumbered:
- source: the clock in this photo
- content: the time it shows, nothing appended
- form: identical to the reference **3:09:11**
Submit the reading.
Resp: **1:40:21**
